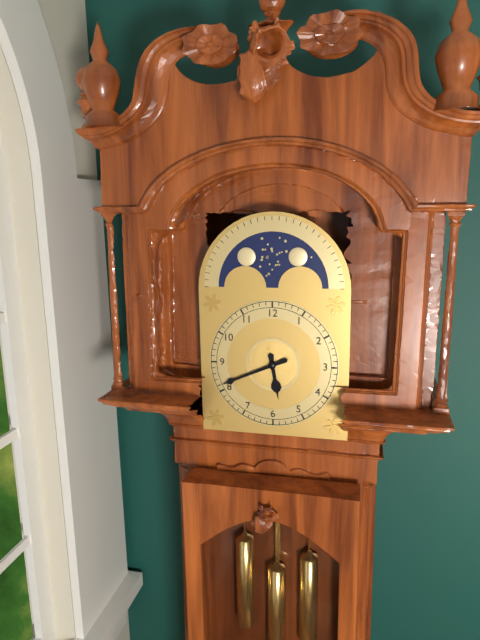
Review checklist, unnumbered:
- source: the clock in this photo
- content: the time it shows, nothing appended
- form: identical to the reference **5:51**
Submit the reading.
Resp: **5:41**
